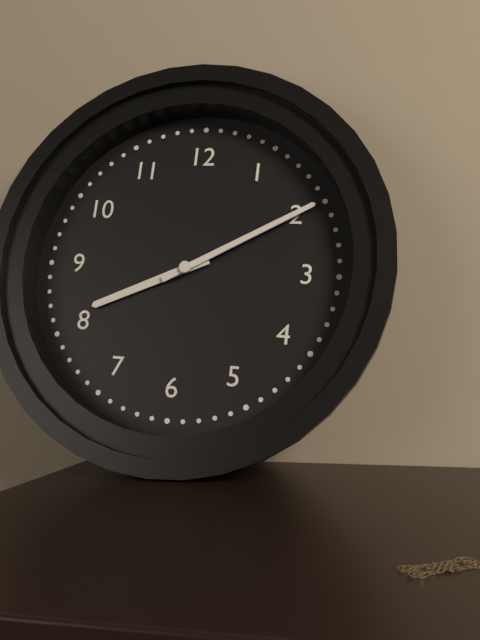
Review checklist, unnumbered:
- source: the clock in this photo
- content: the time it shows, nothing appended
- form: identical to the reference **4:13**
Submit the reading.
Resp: **8:10**
